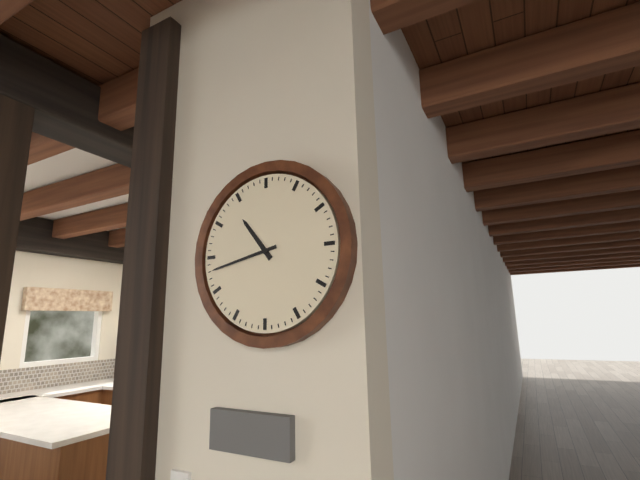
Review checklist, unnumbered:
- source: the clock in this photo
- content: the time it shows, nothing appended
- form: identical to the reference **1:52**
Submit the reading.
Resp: **10:43**
